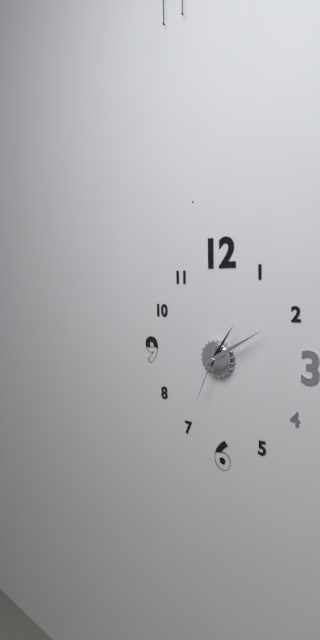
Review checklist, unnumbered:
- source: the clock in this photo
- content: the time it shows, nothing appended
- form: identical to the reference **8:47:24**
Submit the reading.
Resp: **1:10:34**
